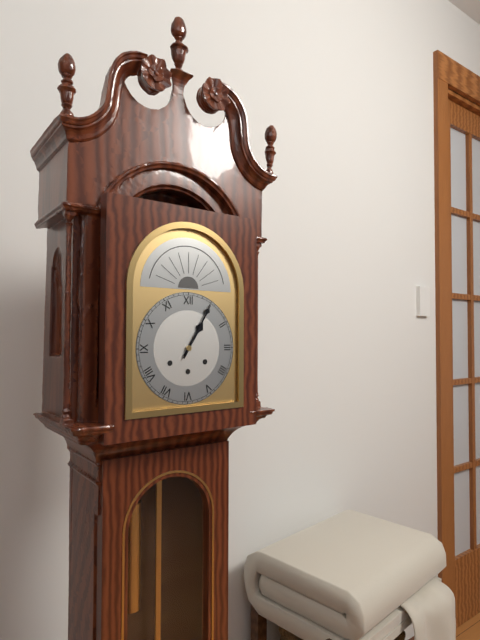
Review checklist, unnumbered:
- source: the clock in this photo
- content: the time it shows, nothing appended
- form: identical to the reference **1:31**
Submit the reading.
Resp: **1:05**
